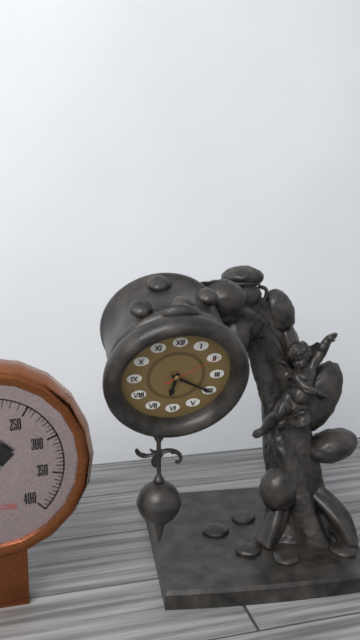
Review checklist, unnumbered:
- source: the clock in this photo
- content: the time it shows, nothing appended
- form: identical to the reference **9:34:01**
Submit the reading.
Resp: **6:20:10**
